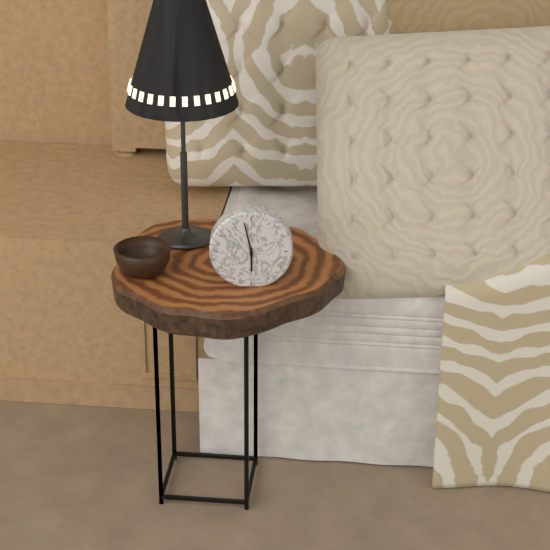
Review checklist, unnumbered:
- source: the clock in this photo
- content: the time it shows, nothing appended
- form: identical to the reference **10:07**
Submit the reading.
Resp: **5:58**
